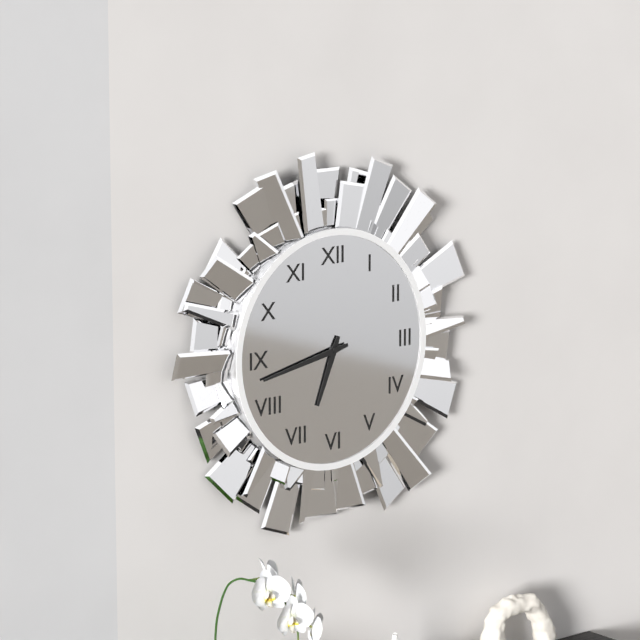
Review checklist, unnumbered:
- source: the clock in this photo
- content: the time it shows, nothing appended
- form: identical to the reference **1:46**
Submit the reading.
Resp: **6:43**
